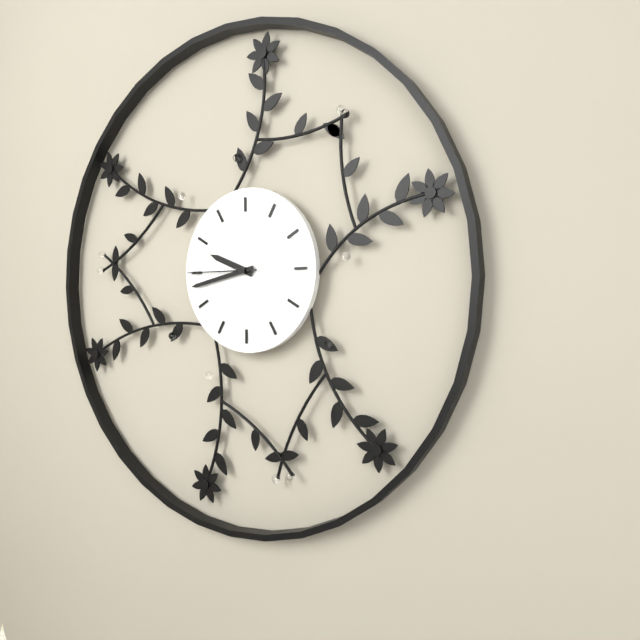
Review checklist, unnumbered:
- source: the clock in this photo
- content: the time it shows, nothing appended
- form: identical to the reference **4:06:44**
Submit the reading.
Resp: **9:43:45**
